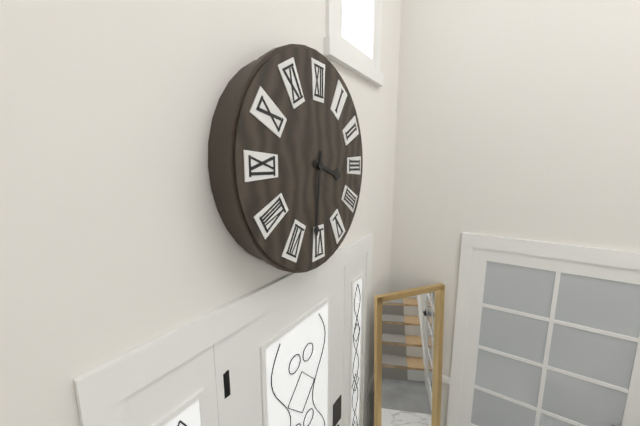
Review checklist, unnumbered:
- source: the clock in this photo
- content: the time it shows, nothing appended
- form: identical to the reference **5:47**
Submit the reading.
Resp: **3:31**
